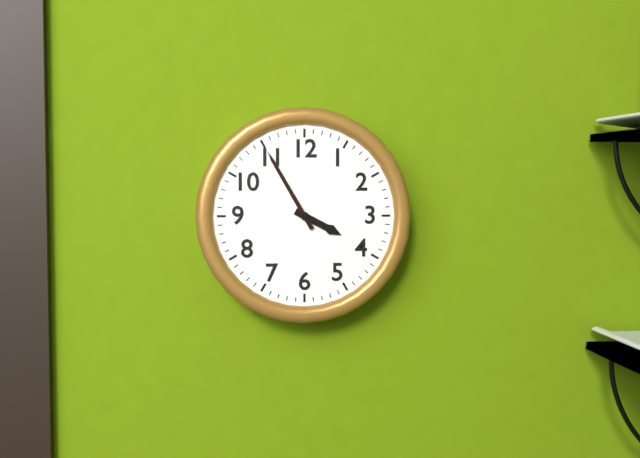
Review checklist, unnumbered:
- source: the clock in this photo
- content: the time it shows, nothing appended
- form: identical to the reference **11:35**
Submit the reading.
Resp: **3:55**
